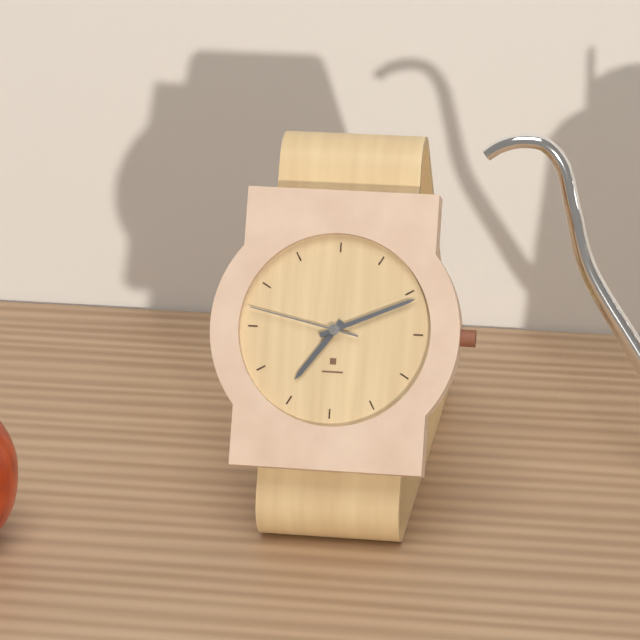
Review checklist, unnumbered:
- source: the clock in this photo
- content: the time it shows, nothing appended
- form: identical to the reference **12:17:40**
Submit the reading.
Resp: **7:11:47**
